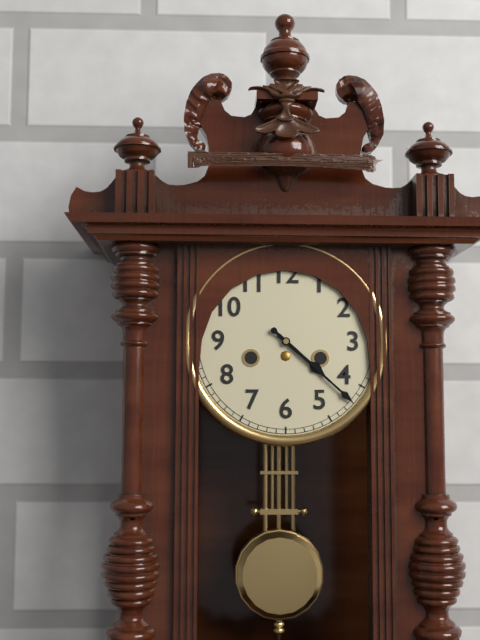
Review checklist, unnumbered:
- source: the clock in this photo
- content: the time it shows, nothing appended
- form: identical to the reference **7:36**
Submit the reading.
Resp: **4:22**
